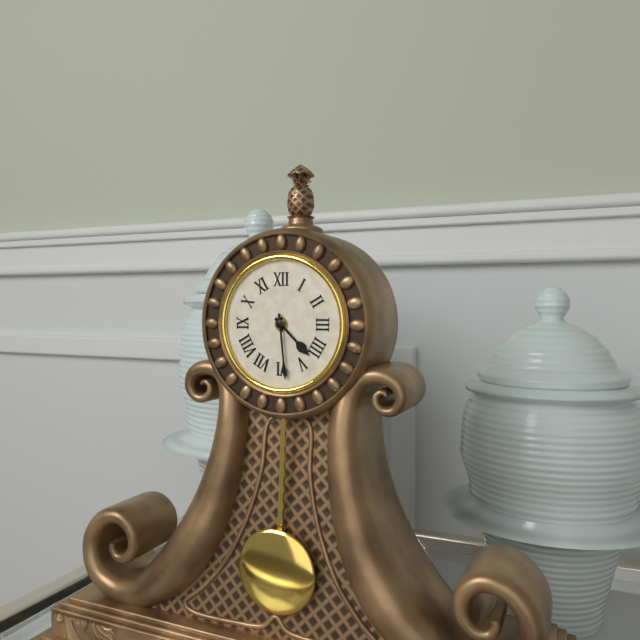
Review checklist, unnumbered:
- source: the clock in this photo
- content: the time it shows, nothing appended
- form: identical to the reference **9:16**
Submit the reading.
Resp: **4:29**
